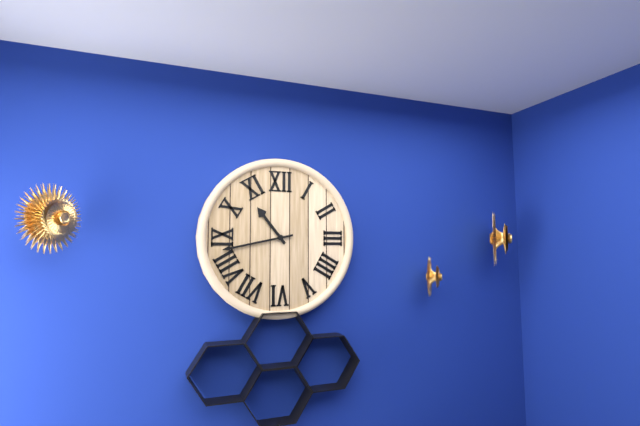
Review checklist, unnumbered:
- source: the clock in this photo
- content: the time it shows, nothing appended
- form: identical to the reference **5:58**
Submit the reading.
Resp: **10:43**
